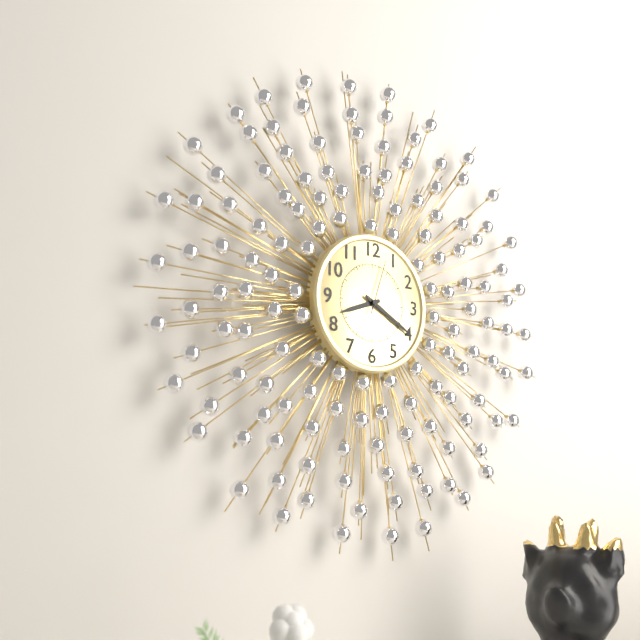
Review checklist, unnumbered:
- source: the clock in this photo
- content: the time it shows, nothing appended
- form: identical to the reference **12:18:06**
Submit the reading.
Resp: **8:20:03**
